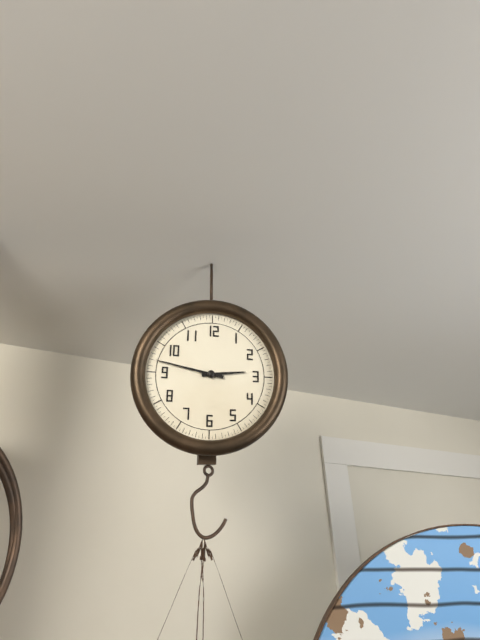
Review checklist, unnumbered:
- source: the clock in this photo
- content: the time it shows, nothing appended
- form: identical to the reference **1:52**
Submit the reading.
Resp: **2:47**
